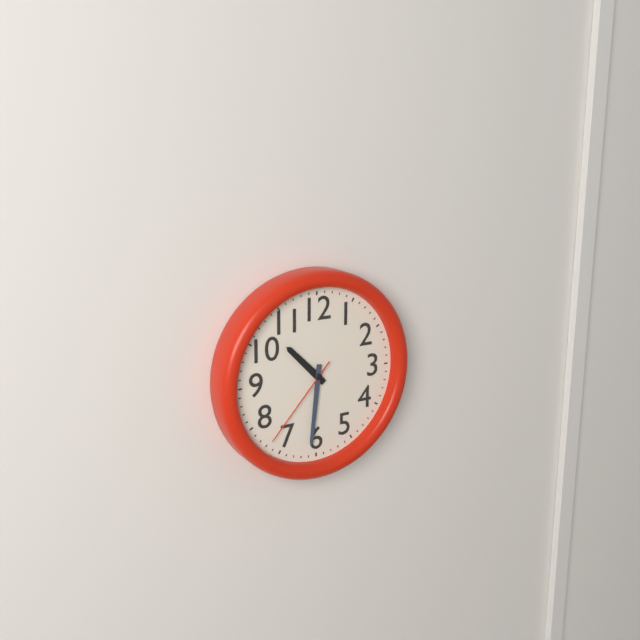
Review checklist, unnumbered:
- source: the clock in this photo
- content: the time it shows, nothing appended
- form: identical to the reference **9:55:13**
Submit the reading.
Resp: **10:31:37**
